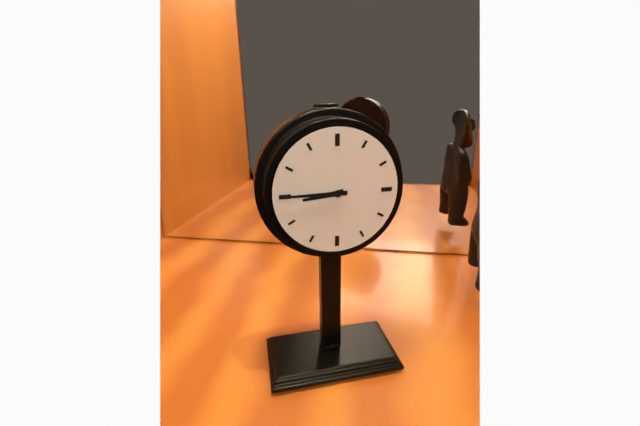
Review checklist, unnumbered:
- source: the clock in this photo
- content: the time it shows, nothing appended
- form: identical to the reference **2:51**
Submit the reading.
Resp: **8:45**
